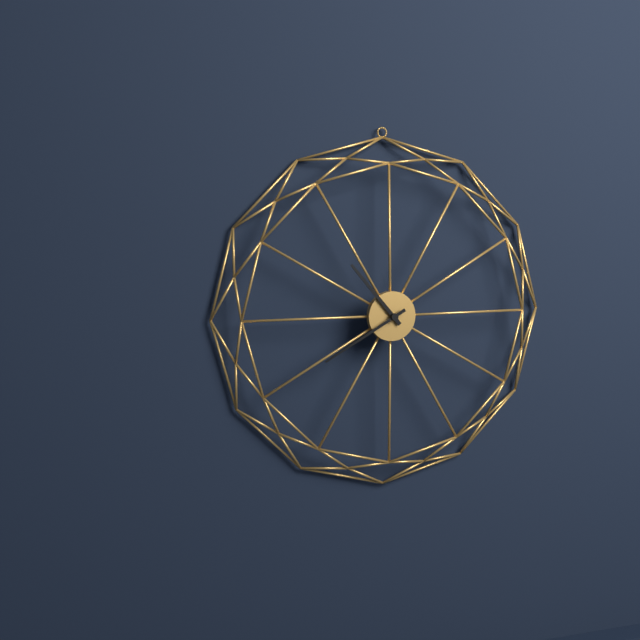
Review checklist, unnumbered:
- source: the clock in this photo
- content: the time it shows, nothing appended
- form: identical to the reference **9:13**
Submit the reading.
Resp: **10:40**
